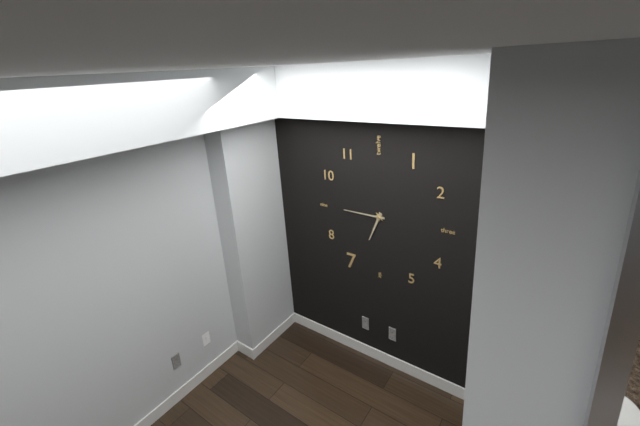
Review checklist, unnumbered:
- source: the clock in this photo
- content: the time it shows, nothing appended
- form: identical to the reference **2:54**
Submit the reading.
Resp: **6:45**
